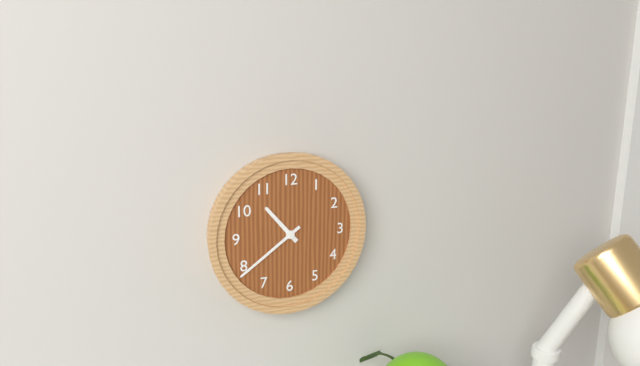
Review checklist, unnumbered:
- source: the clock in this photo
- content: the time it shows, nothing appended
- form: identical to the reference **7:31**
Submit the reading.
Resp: **10:39**
